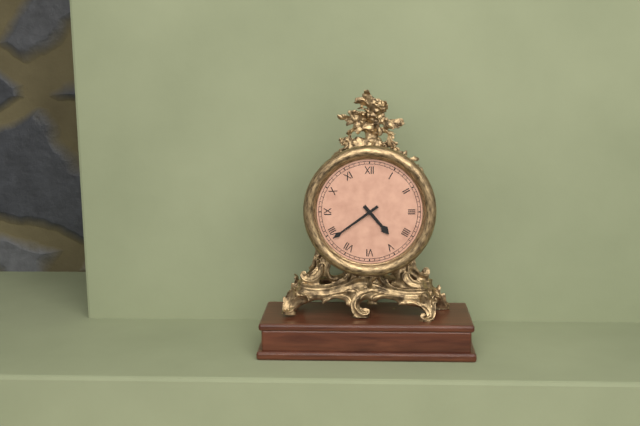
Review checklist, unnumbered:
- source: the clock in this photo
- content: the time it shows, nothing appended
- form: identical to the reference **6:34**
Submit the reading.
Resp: **4:39**
